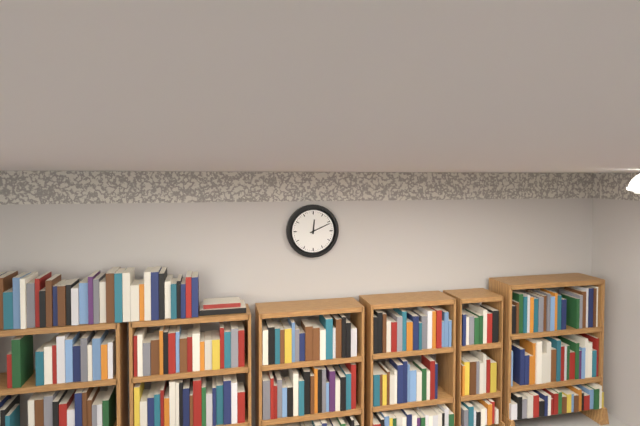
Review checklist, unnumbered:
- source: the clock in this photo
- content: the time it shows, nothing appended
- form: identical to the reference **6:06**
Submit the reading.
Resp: **12:11**
